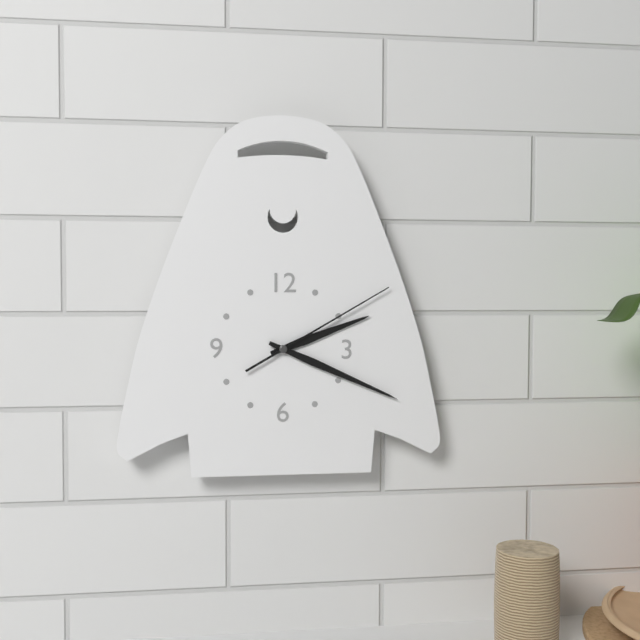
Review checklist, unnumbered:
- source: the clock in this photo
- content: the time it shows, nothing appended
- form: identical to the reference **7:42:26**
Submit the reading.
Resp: **2:19:10**
